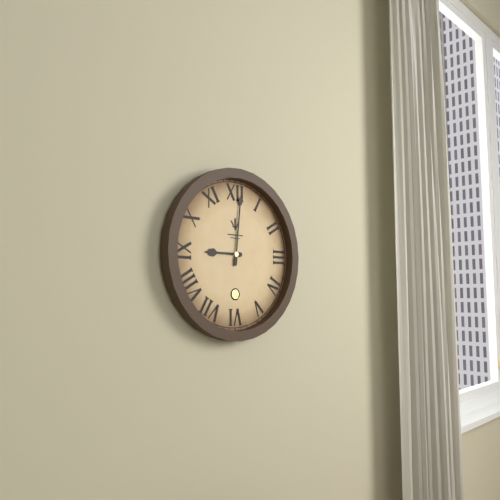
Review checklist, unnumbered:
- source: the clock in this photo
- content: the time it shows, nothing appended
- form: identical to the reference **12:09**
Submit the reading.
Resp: **9:01**
